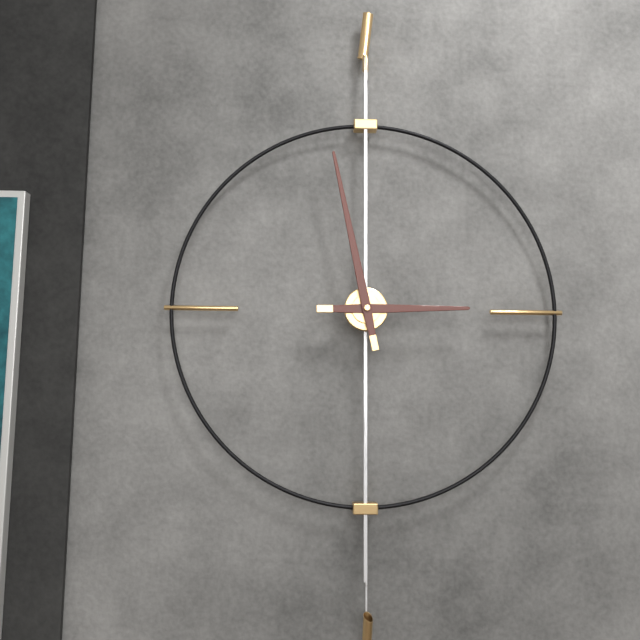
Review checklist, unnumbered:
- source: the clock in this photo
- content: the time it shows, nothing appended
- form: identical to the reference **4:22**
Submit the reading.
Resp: **2:58**
